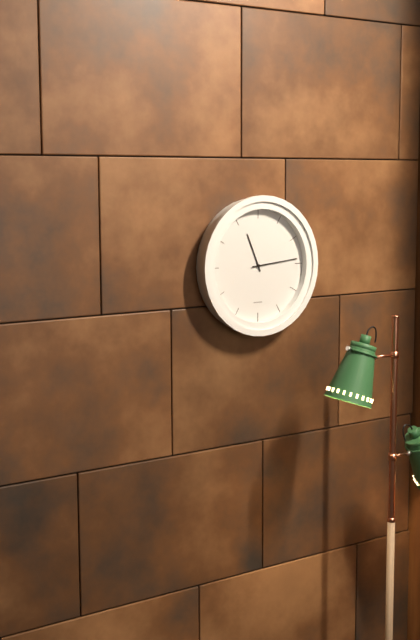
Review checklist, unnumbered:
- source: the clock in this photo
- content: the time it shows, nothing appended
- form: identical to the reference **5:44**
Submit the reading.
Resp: **11:14**
